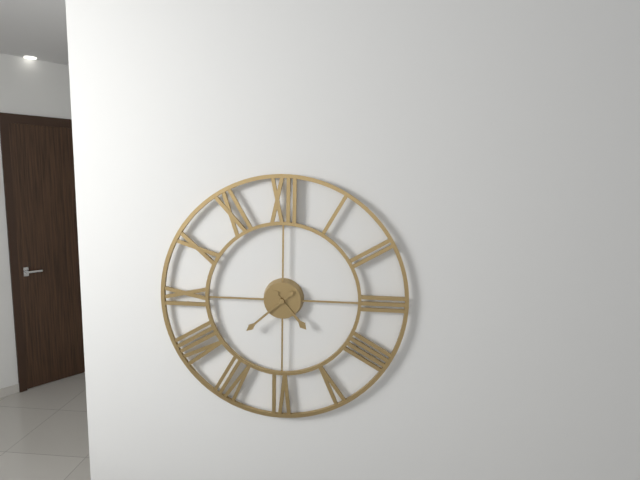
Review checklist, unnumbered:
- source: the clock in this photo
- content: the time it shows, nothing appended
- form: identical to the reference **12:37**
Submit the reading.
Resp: **4:38**
